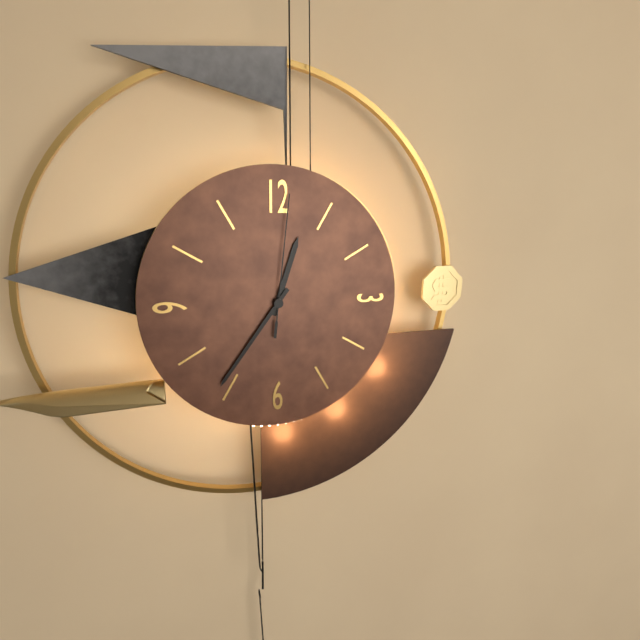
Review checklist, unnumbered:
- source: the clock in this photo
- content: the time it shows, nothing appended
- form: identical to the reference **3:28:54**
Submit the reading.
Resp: **12:36:01**
